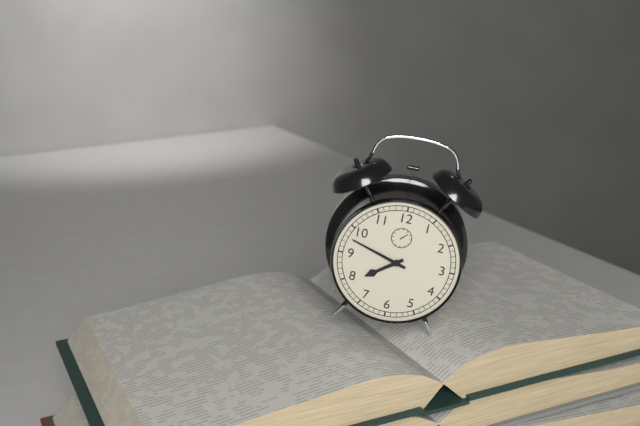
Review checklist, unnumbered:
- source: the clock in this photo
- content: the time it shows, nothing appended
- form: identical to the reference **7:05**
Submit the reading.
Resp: **7:48**
